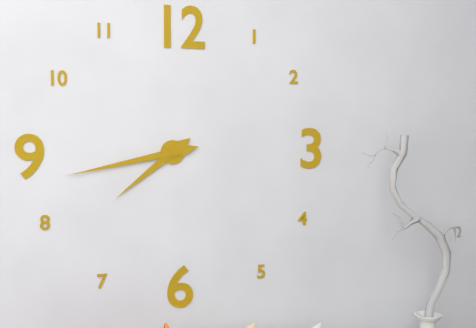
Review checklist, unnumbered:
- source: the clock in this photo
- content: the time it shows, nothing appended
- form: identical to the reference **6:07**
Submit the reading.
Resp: **7:43**
